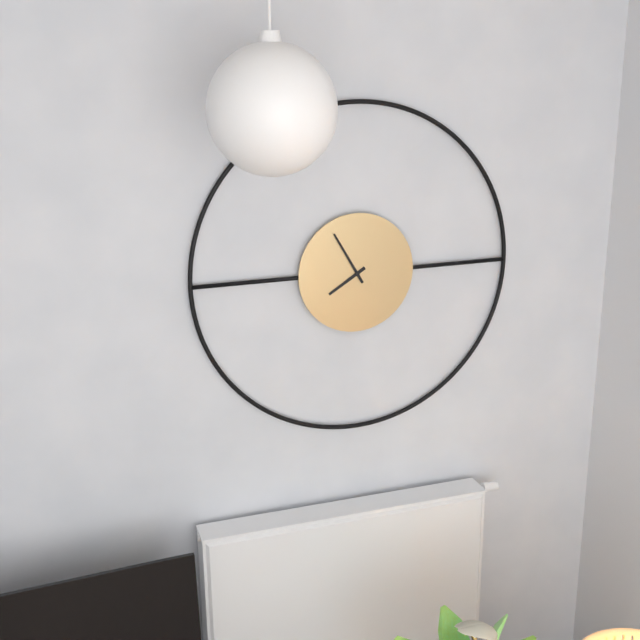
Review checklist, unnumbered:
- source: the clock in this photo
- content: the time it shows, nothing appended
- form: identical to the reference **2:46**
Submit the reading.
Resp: **7:55**
